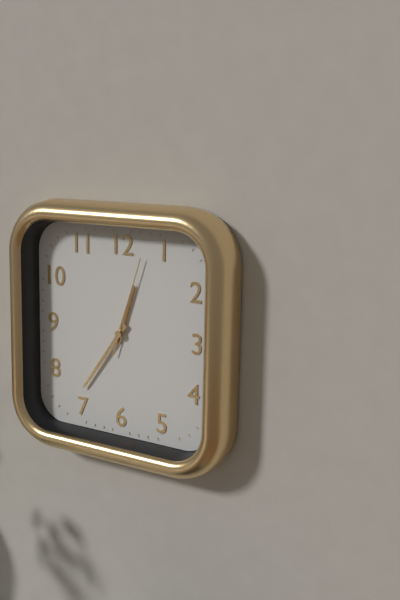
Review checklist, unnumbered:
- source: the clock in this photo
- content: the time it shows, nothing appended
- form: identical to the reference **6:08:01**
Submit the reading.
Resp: **12:36:03**
